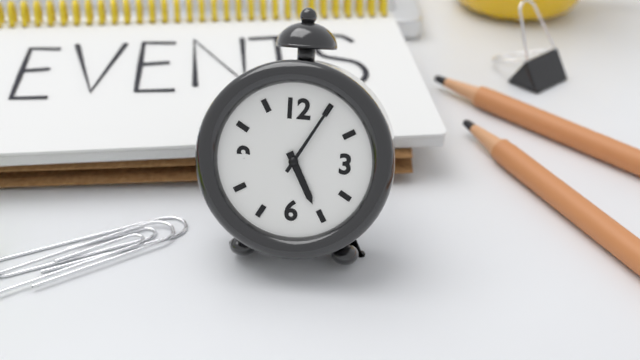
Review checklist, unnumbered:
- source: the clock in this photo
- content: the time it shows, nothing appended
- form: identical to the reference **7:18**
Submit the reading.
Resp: **5:05**
